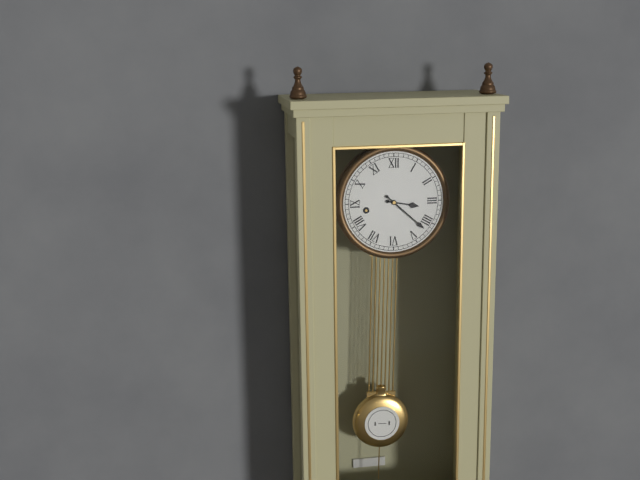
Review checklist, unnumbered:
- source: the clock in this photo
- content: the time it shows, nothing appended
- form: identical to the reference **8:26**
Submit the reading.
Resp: **3:22**
